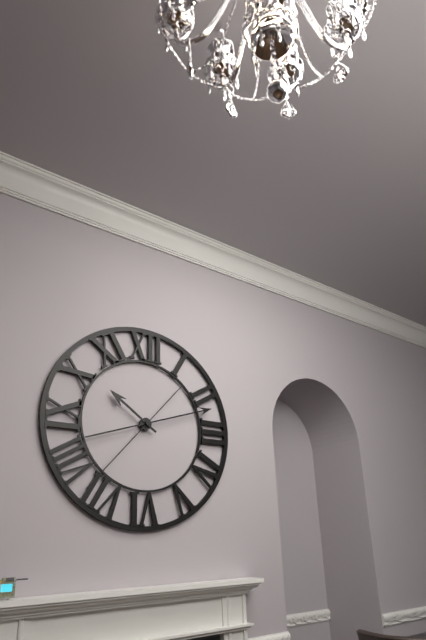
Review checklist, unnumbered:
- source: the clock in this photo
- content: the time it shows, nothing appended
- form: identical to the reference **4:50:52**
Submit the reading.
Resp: **10:12:37**
